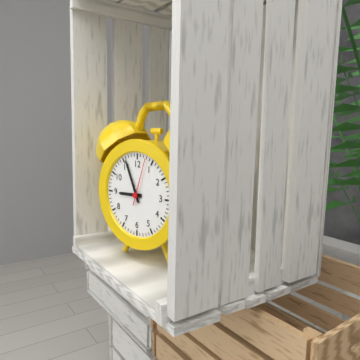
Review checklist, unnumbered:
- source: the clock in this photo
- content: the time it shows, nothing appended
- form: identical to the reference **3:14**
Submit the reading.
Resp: **8:56**
